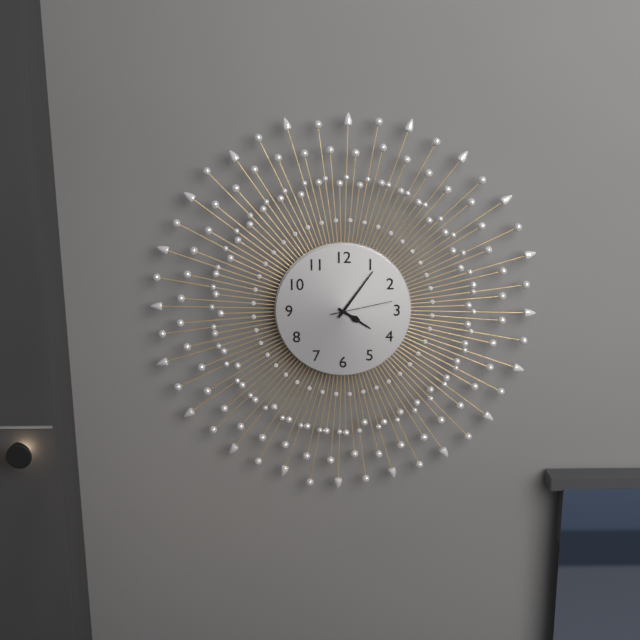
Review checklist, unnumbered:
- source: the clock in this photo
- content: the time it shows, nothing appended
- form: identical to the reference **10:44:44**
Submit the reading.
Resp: **4:06:13**
